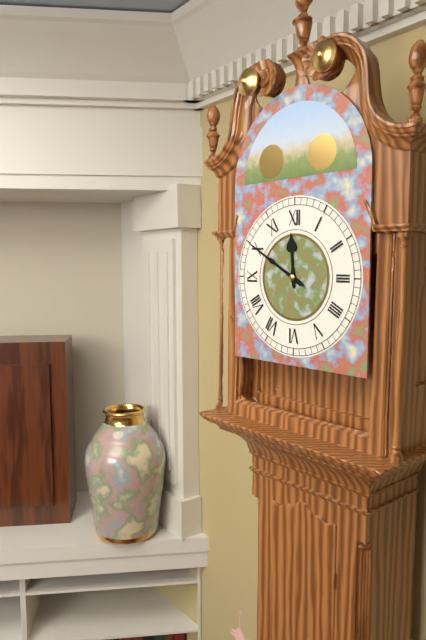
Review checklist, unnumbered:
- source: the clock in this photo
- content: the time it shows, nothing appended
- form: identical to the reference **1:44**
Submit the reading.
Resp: **11:50**
